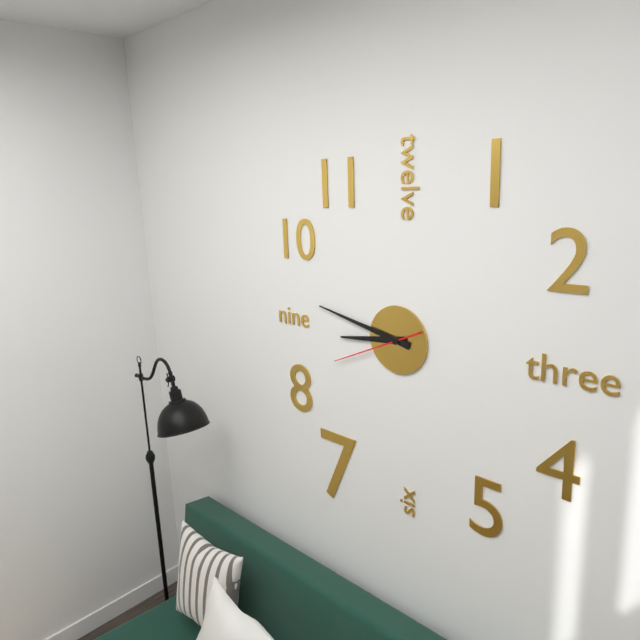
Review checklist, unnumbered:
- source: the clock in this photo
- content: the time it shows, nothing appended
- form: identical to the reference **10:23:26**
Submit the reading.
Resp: **8:47:41**
